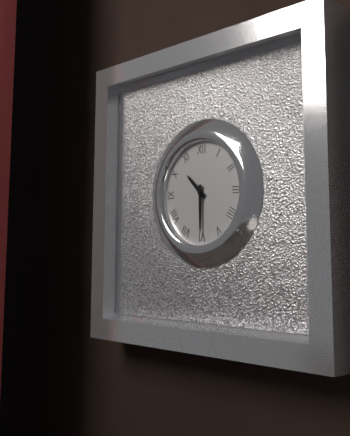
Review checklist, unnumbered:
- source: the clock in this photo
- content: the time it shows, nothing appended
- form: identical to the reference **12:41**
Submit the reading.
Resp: **10:30**
